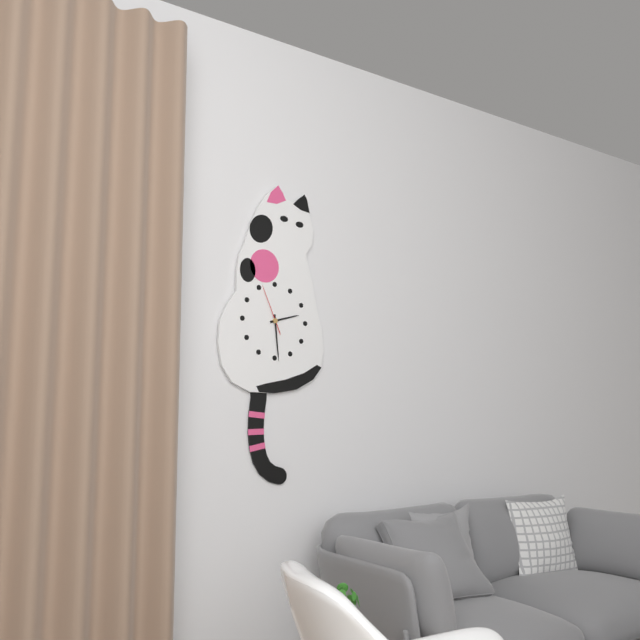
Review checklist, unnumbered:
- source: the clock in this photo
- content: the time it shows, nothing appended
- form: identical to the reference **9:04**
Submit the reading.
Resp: **2:29**
